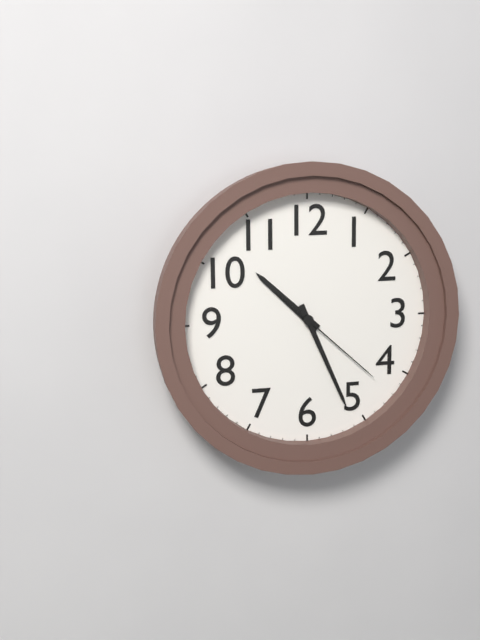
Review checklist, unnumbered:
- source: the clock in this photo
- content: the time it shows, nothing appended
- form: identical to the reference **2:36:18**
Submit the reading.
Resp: **10:26:22**
